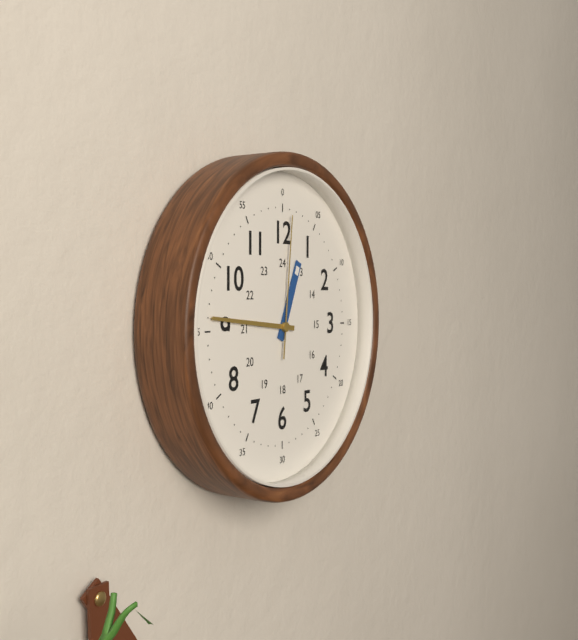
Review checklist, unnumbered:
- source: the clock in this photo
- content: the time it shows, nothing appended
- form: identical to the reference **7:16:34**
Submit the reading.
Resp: **12:46:01**
